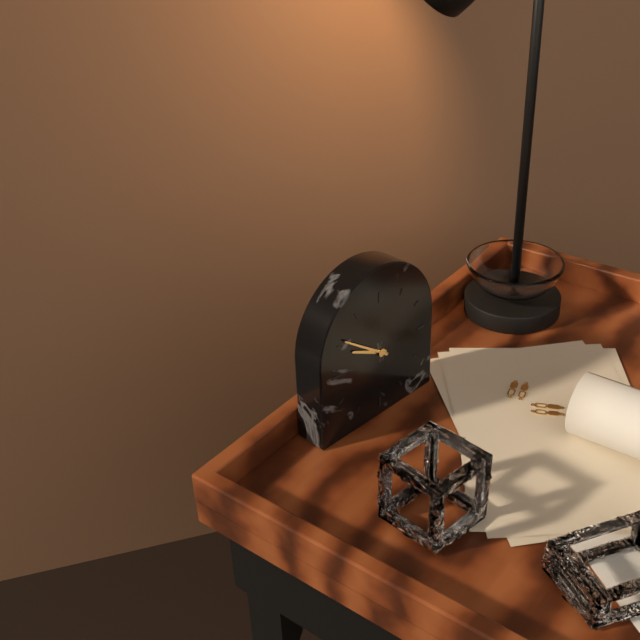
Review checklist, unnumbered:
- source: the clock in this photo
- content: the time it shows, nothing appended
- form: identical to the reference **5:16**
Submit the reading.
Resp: **9:51**
